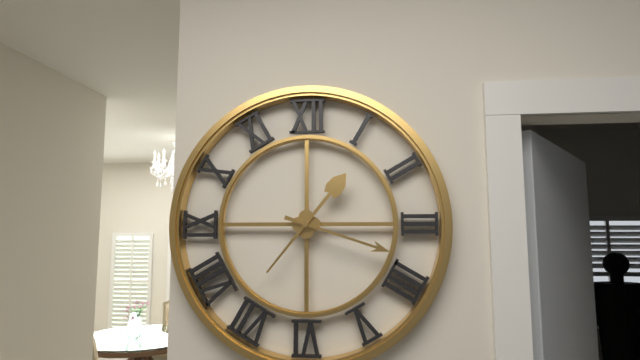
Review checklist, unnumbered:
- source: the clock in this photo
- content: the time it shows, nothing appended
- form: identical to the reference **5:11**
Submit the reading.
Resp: **1:18**
